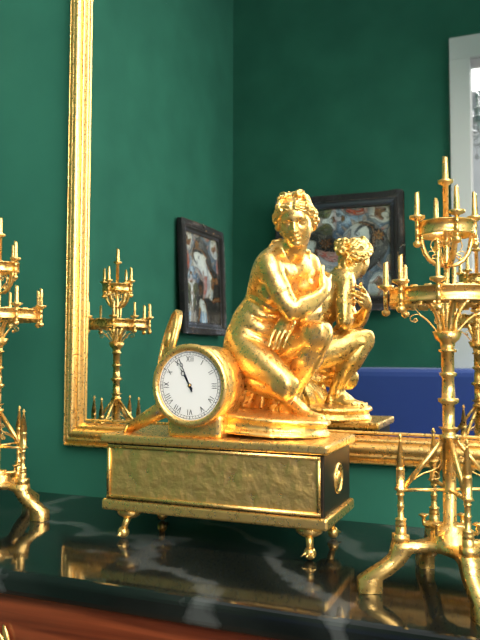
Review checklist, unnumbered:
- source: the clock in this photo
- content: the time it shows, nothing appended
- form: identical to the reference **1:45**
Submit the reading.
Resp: **10:56**
